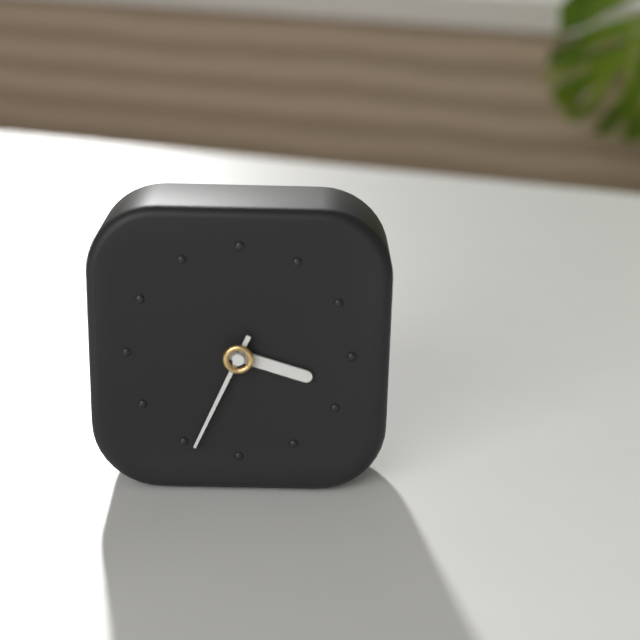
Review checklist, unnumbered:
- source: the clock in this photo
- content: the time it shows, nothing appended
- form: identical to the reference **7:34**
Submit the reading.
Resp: **3:34**
